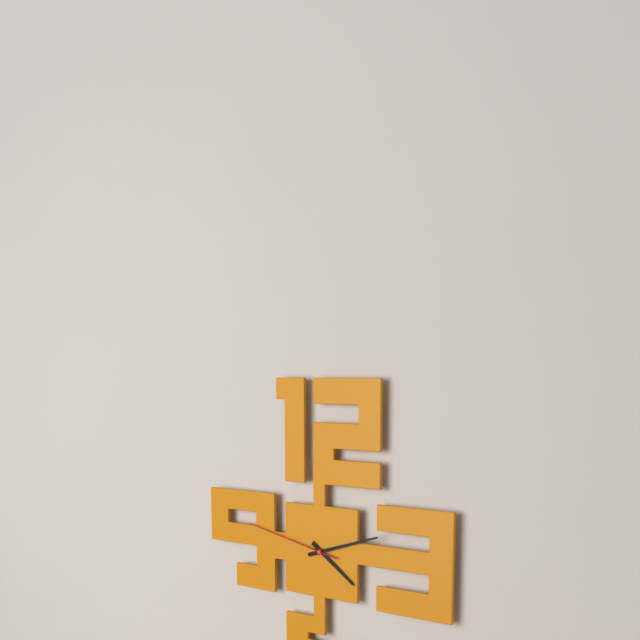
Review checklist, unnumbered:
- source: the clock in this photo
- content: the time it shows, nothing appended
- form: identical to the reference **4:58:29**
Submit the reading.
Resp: **4:12:47**
